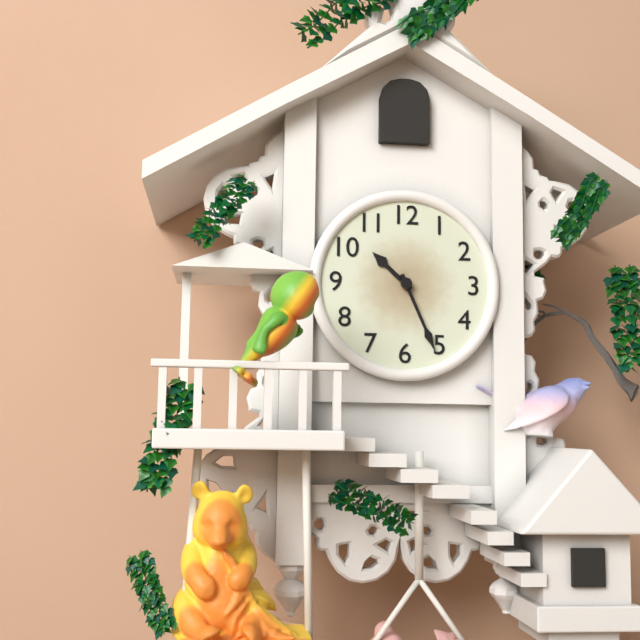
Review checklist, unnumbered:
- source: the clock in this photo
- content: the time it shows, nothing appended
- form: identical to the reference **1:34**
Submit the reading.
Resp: **10:26**
